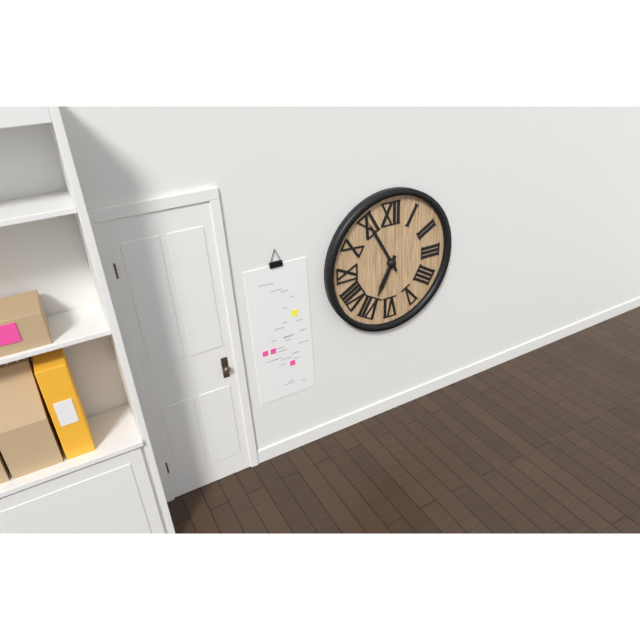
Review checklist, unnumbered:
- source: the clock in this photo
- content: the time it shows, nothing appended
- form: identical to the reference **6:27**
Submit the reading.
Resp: **6:55**
